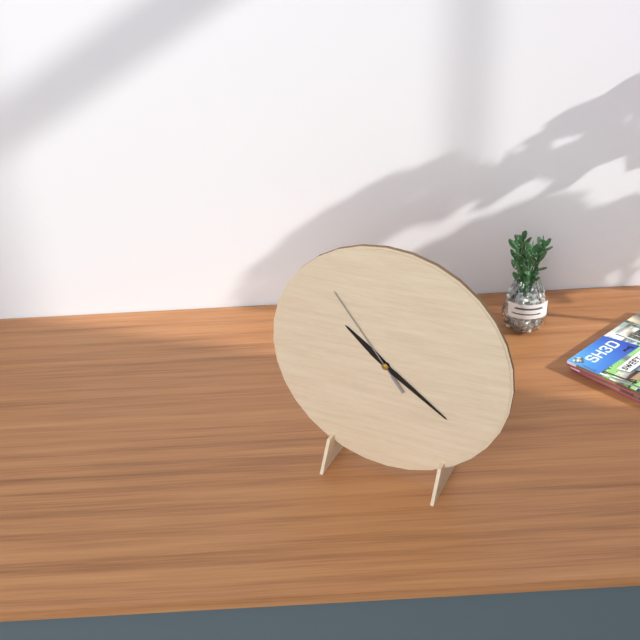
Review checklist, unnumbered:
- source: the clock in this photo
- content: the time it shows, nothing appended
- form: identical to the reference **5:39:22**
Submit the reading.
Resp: **10:21:54**
